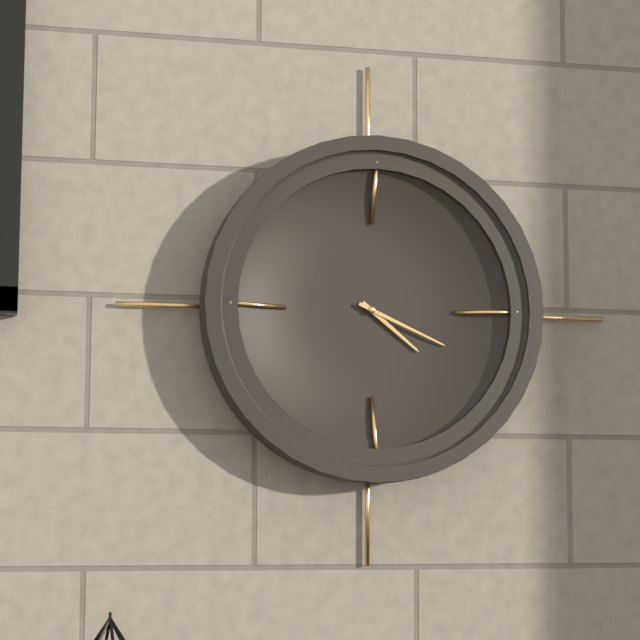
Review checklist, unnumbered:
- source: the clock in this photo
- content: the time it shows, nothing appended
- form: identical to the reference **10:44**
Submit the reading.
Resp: **4:19**
